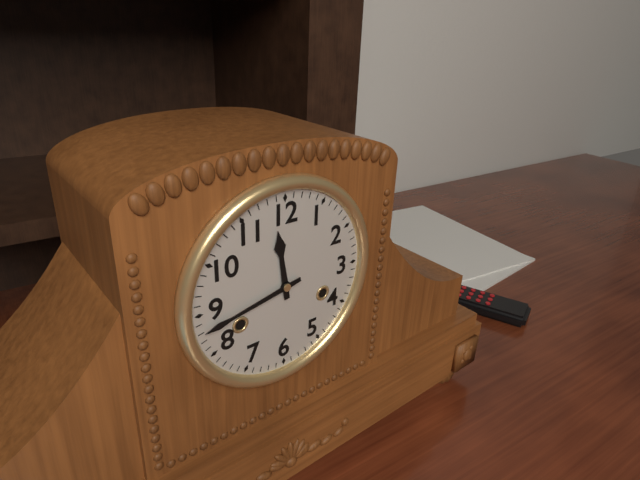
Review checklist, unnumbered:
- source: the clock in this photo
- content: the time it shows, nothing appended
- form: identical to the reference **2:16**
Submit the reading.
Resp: **11:43**
